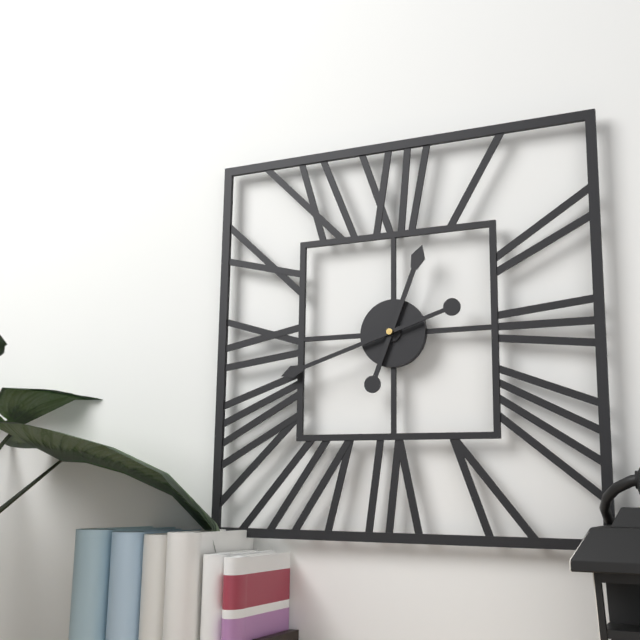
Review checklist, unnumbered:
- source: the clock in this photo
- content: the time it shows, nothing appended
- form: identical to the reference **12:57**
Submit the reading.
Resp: **12:42**
